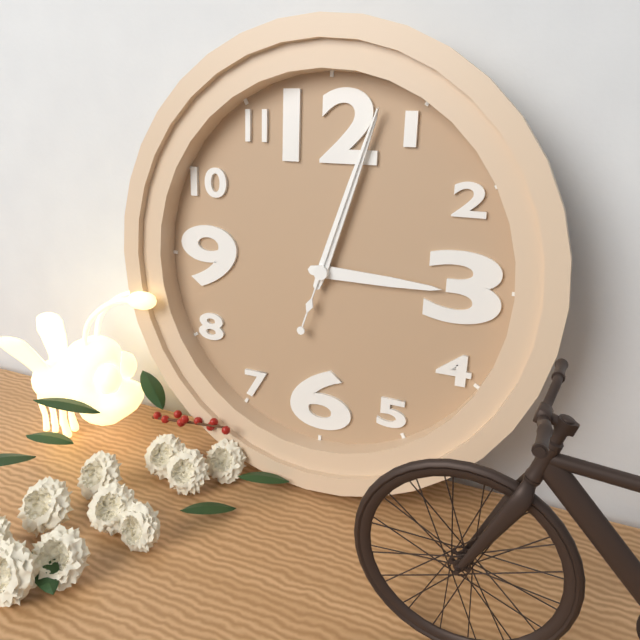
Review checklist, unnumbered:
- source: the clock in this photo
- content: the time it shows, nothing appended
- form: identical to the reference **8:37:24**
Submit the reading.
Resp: **3:03:03**
